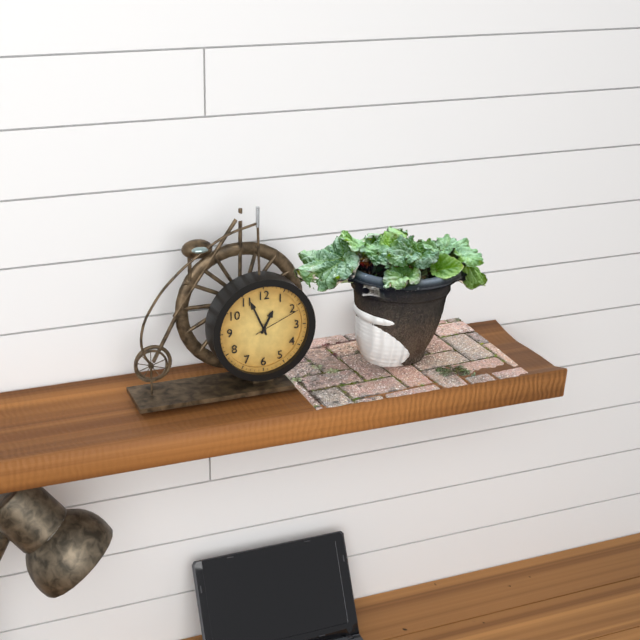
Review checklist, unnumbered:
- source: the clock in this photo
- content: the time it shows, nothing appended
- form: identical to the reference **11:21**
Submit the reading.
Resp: **12:56**
